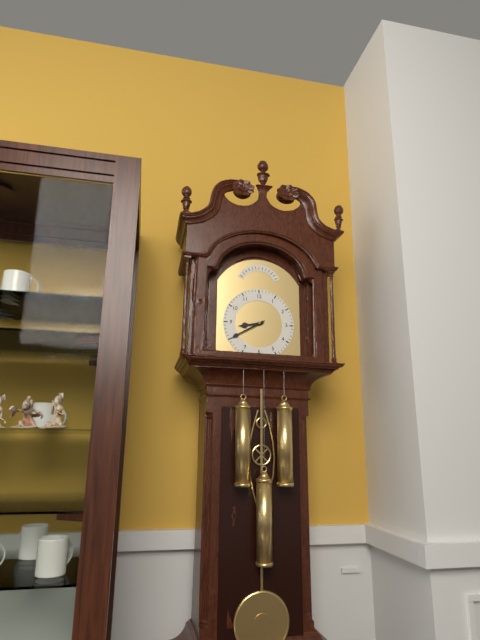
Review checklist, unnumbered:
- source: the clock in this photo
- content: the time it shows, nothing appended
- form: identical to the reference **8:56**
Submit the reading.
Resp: **8:40**
